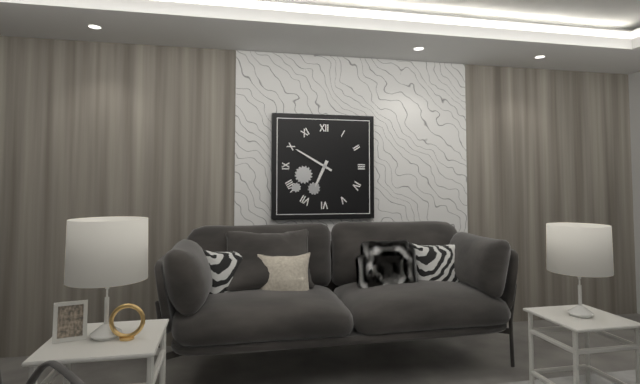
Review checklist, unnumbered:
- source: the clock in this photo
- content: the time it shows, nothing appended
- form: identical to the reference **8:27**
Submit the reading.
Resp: **6:50**
